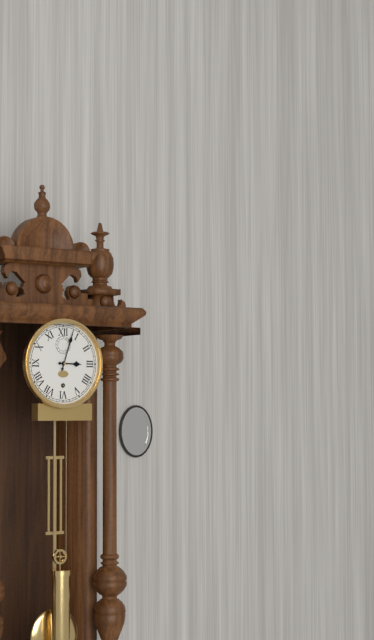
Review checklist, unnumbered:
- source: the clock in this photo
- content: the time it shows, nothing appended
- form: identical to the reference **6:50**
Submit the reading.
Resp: **3:03**
